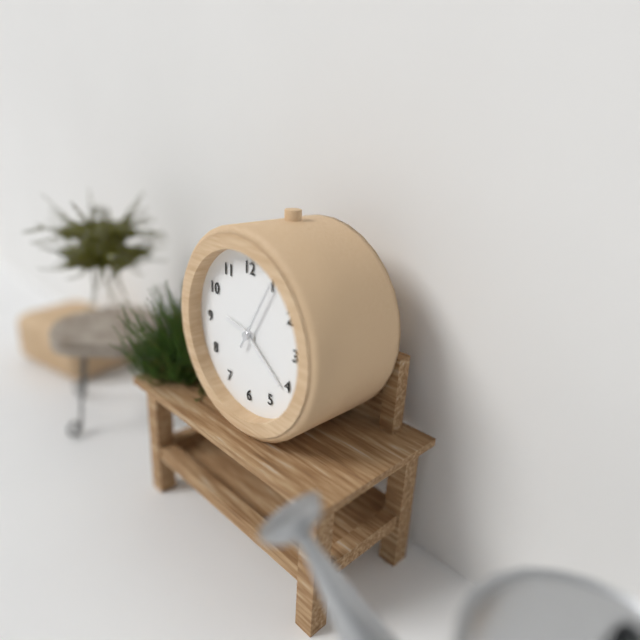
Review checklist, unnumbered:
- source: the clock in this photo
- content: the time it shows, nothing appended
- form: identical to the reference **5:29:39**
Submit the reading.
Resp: **9:21:05**
